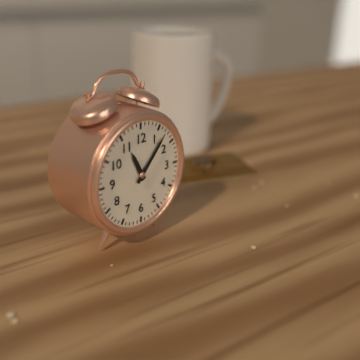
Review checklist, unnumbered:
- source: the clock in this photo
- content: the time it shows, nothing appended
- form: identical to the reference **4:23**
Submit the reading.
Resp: **11:07**
